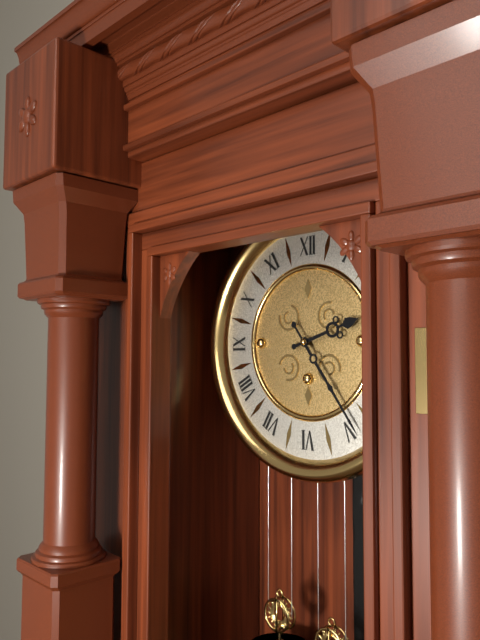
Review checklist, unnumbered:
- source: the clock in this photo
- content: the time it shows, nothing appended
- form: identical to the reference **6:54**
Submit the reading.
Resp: **2:24**
